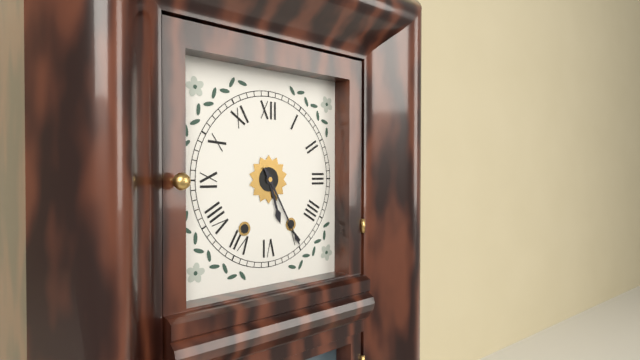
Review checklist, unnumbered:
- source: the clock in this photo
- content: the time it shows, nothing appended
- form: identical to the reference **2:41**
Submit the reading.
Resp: **5:25**
